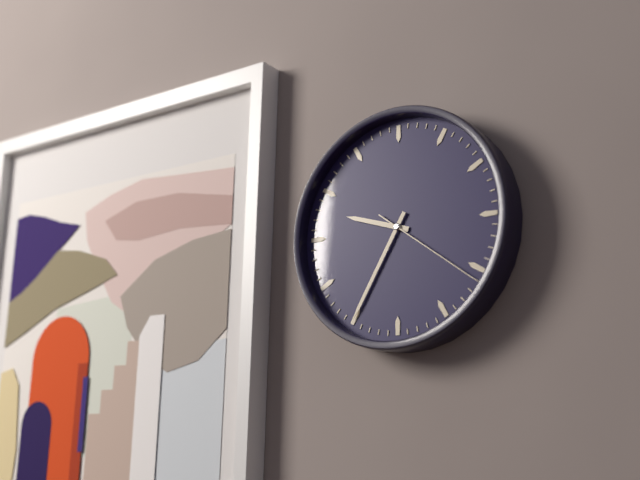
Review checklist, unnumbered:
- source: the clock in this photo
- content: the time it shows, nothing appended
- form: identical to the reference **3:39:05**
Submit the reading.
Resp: **9:35:21**
